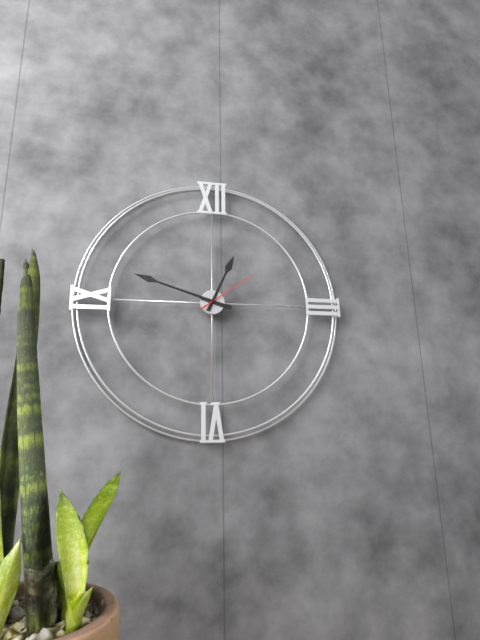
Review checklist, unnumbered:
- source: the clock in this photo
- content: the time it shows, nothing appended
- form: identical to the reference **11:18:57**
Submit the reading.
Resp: **12:48:09**
